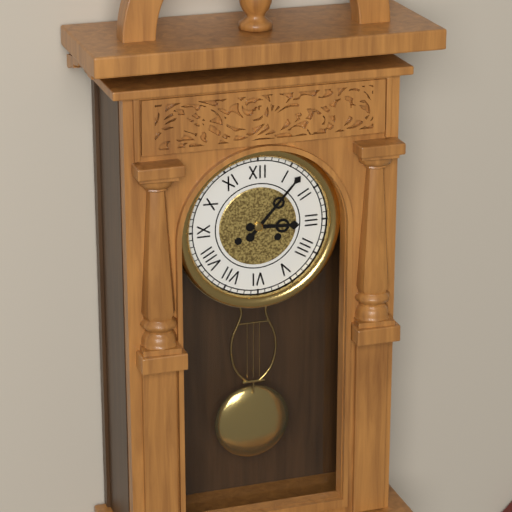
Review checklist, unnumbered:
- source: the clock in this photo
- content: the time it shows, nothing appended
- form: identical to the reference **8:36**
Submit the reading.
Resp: **3:07**
